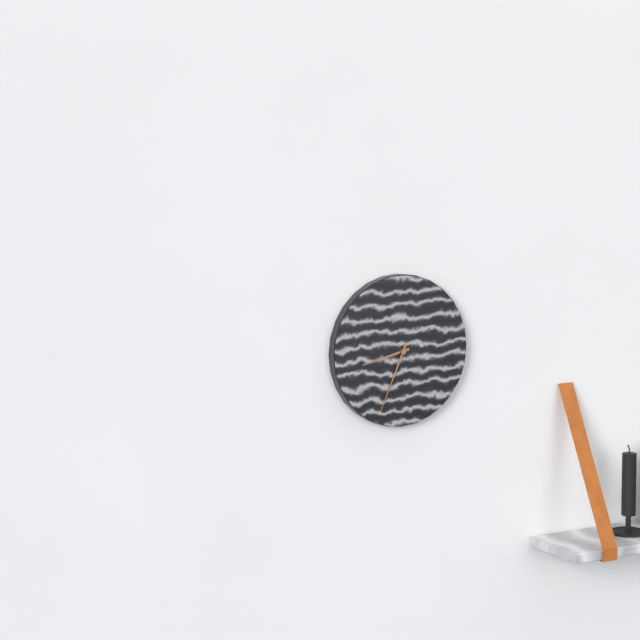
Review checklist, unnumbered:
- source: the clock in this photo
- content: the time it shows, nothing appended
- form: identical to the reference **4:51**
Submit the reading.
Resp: **8:34**
